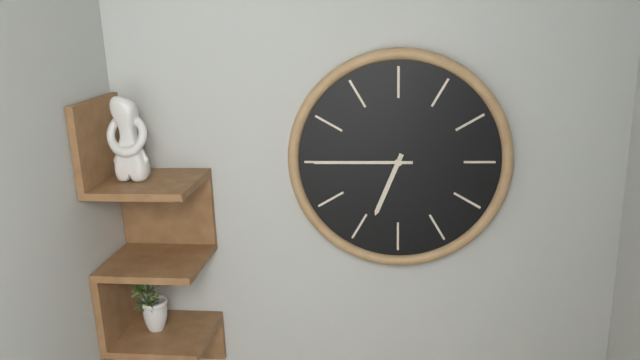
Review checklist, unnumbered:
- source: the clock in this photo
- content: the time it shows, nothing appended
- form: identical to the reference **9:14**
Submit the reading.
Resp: **6:45**
